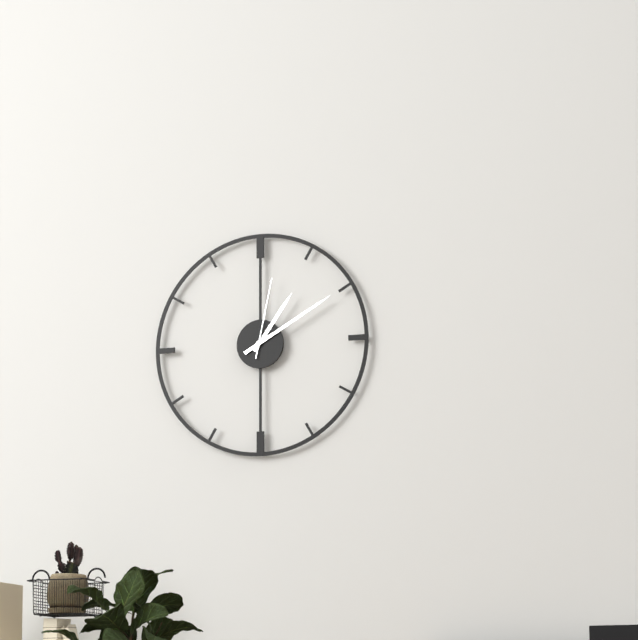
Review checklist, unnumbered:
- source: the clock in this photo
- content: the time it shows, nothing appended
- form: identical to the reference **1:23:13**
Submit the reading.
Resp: **1:10:02**
